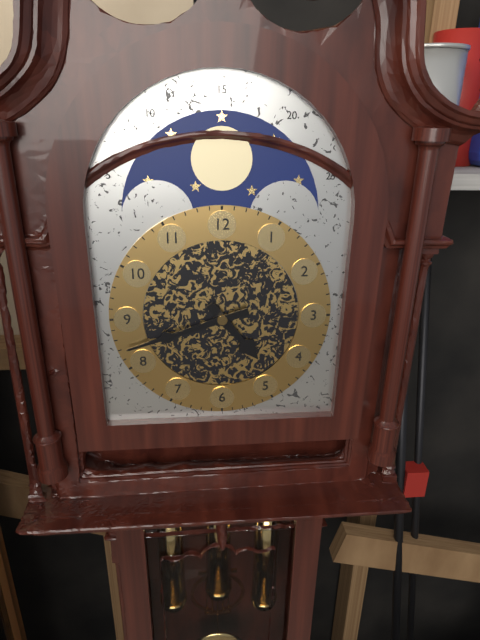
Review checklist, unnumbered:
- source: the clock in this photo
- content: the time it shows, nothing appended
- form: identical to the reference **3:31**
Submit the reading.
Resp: **4:42**
